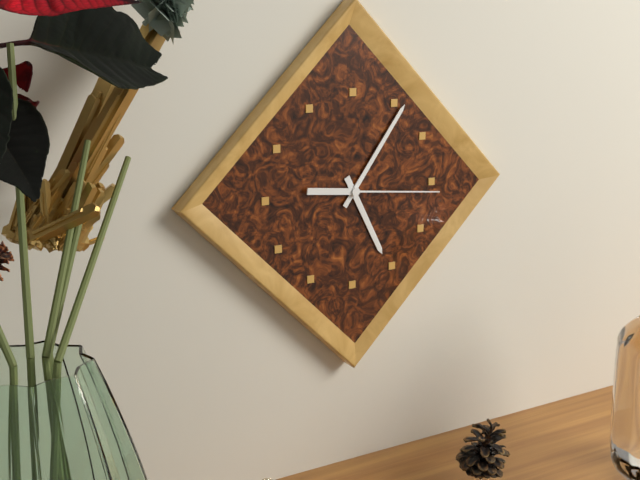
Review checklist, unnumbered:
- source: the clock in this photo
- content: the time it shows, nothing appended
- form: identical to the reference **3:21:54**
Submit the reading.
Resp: **5:06:16**
